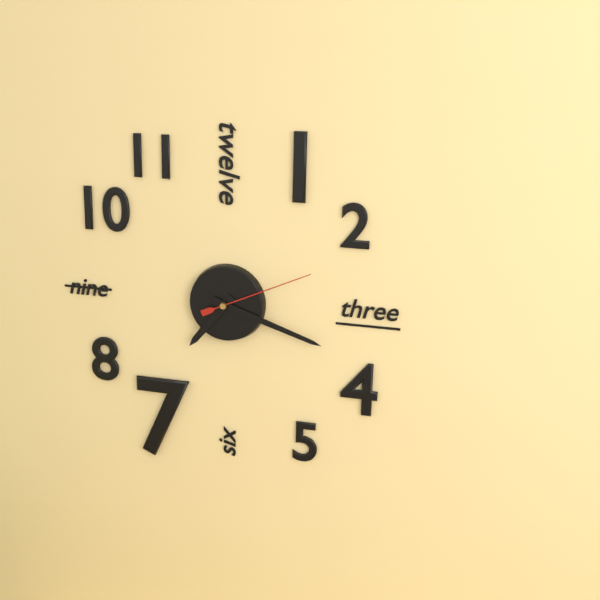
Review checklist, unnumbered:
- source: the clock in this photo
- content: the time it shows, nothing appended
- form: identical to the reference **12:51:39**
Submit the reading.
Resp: **7:18:11**
